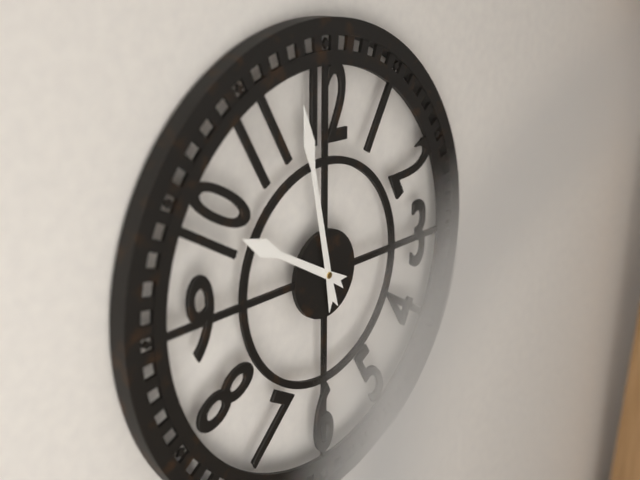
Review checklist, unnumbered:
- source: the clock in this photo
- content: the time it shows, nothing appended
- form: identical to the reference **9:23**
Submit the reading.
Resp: **9:58**
